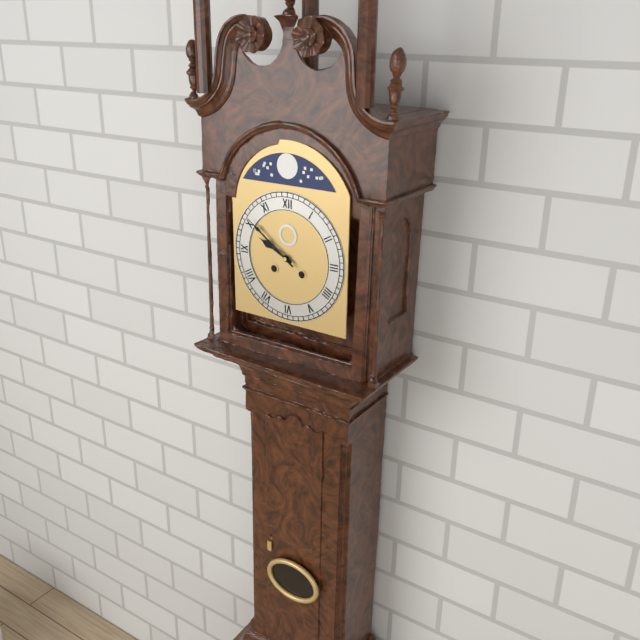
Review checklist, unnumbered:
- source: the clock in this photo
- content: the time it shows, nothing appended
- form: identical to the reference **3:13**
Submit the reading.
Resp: **9:51**
